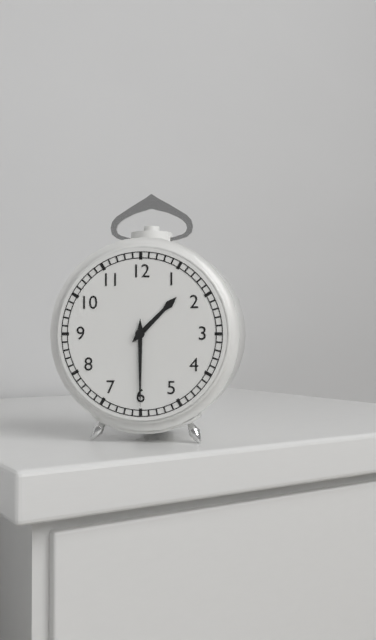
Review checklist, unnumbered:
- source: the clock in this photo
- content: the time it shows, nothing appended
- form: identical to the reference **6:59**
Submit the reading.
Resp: **1:30**
